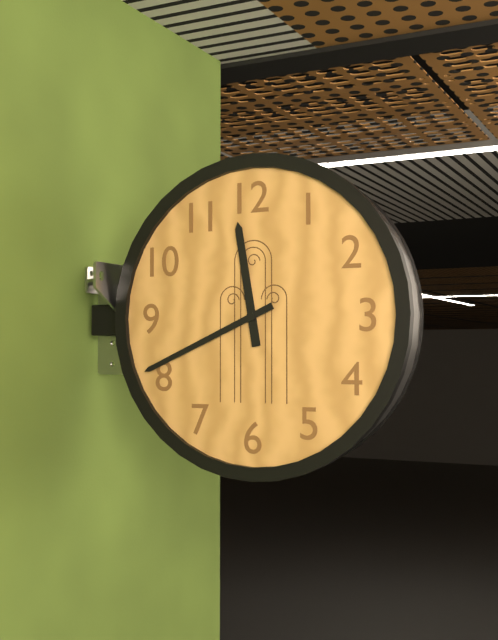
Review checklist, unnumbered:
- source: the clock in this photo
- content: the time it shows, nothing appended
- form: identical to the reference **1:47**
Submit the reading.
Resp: **11:41**
